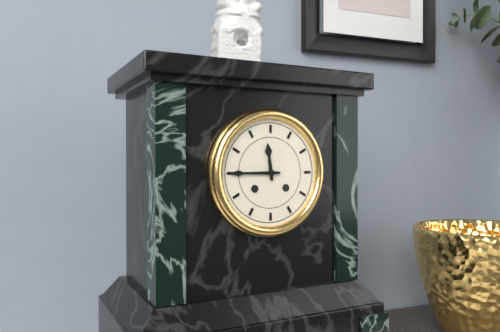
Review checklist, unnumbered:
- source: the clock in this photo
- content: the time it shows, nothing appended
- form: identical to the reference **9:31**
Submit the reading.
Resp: **11:45**
